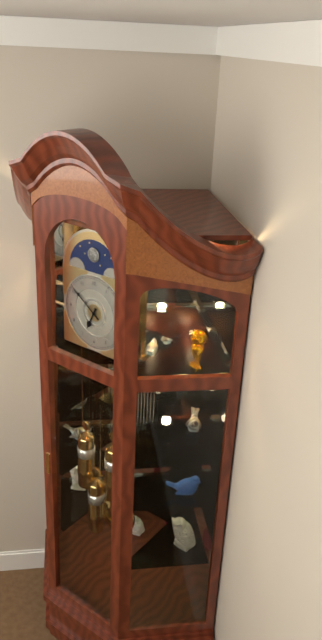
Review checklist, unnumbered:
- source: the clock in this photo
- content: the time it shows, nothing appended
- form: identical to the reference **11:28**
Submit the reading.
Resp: **6:51**
